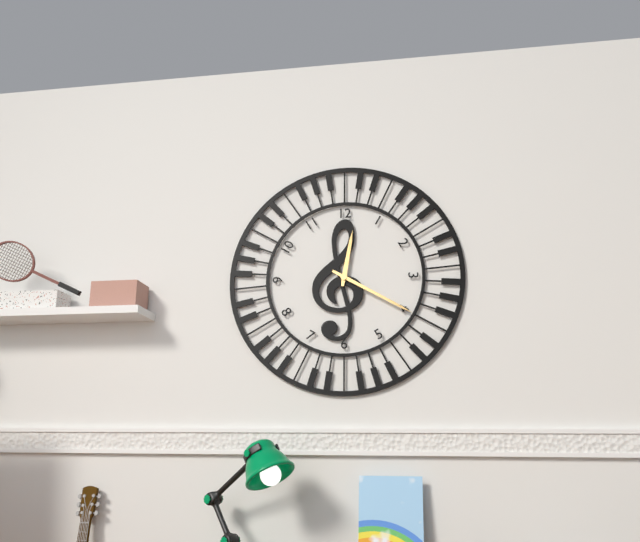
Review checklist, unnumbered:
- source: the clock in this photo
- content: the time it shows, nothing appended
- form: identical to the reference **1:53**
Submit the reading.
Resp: **12:20**
